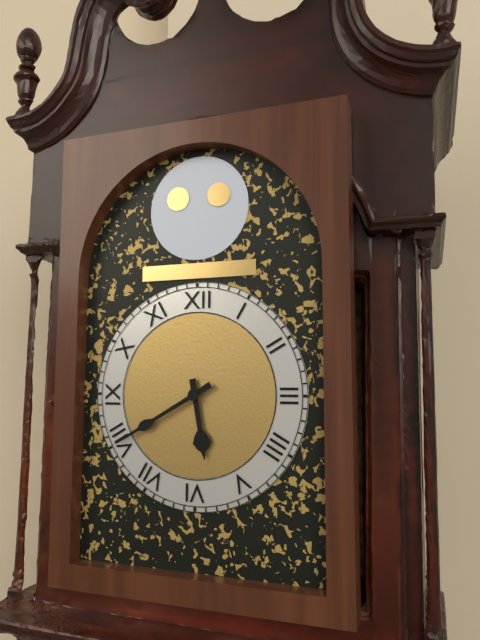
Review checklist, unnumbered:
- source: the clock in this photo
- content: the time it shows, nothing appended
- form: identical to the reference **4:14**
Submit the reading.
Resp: **5:40**
